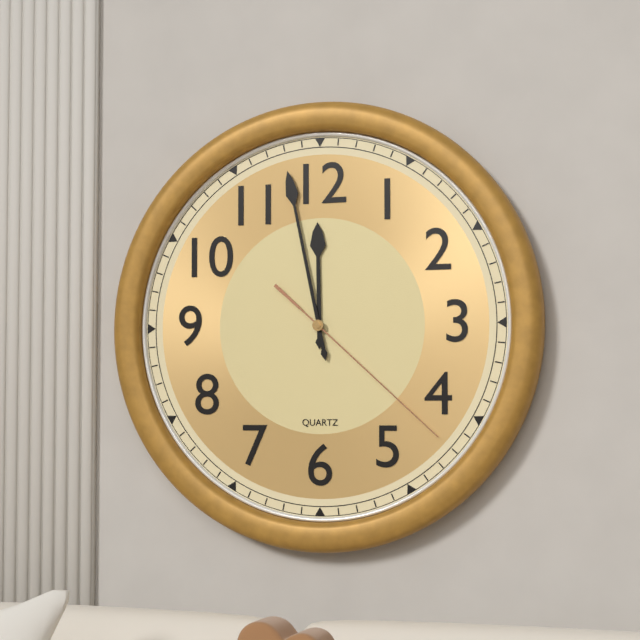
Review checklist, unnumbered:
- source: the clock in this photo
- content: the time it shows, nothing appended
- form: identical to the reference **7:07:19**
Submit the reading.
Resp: **11:58:22**
